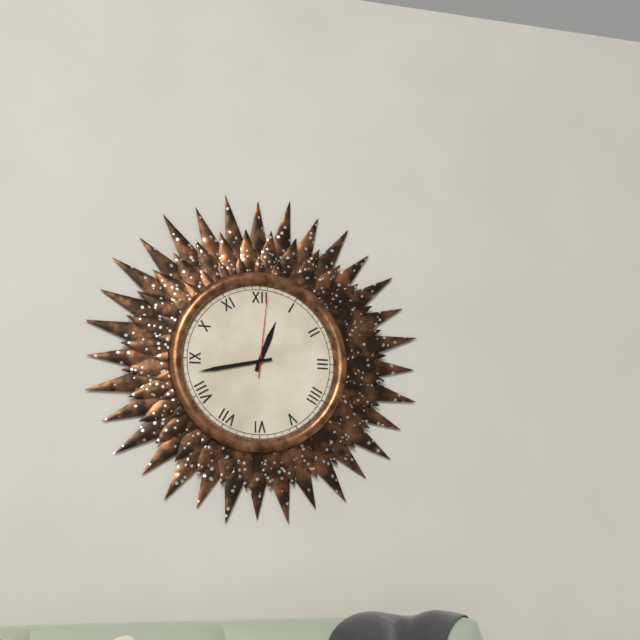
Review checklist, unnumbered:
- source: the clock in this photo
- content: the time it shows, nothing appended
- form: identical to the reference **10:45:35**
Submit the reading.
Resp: **12:43:01**
